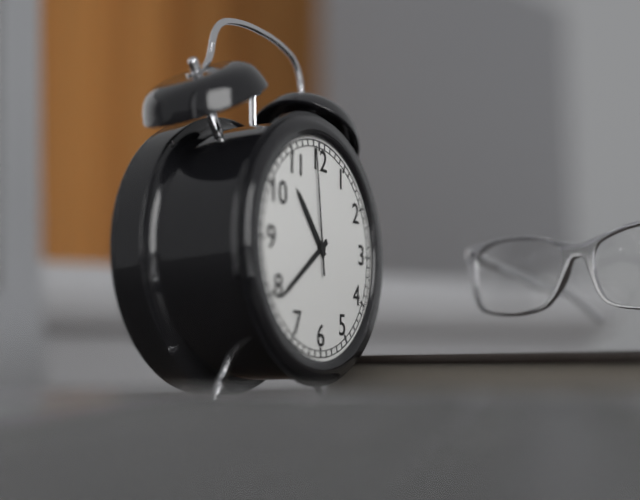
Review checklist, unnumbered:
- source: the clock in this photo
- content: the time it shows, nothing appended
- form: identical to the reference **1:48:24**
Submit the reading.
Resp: **10:39:59**
